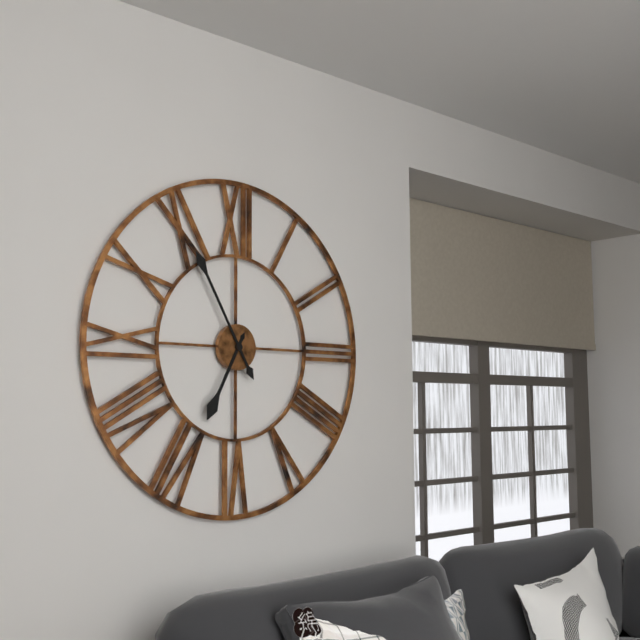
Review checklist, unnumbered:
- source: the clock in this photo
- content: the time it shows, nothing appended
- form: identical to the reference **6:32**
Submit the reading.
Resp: **6:55**
